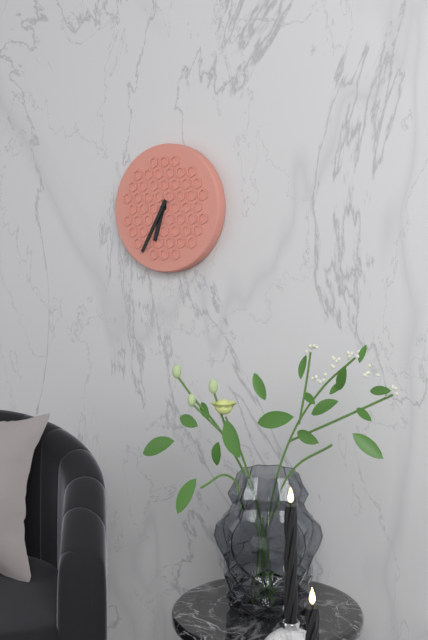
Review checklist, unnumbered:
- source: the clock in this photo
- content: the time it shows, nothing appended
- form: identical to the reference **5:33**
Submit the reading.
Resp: **6:35**
